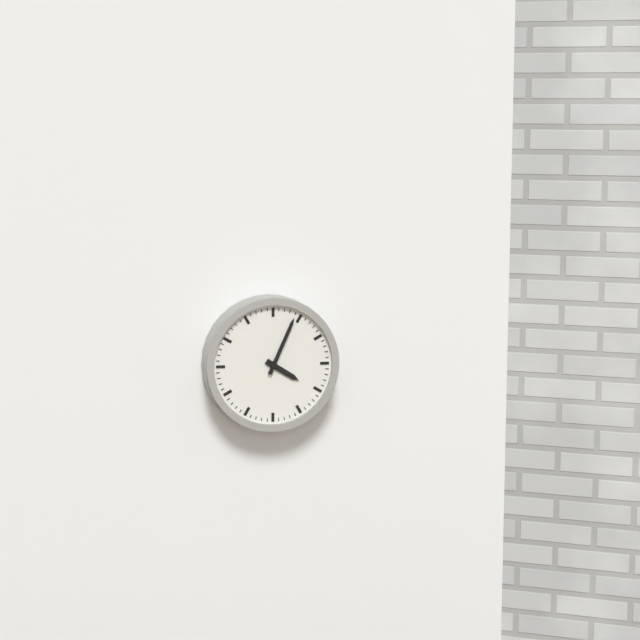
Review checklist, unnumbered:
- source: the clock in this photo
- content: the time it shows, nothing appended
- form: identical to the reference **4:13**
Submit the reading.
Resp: **4:04**
